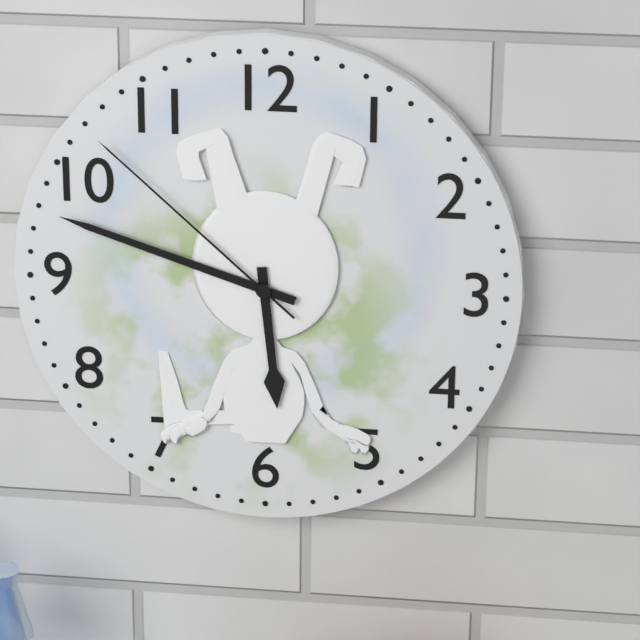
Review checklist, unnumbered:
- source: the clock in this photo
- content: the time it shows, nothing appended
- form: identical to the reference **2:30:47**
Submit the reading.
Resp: **5:48:52**
